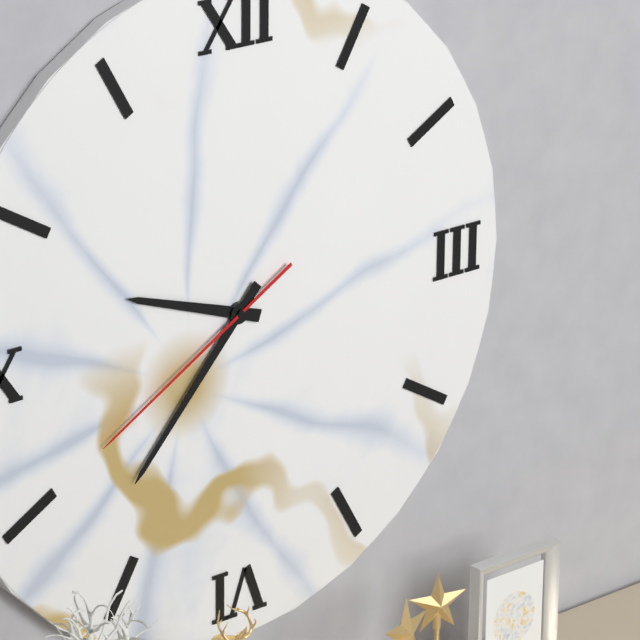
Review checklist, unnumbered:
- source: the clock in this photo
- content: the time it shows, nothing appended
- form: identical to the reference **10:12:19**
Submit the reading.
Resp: **9:37:40**
